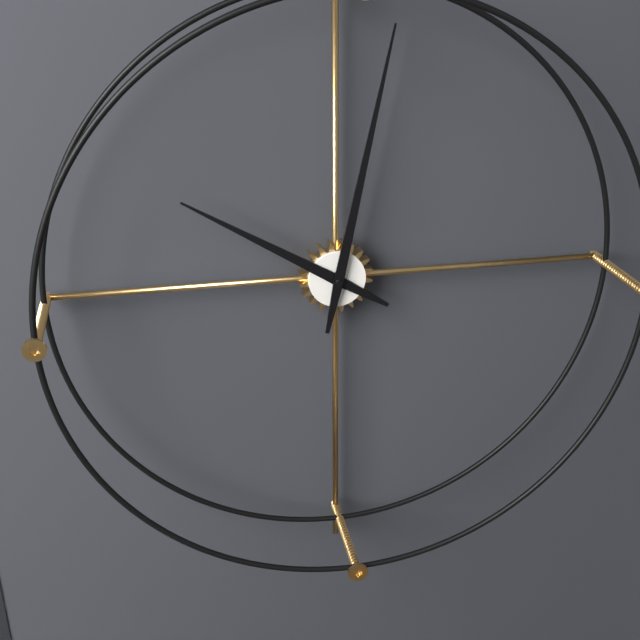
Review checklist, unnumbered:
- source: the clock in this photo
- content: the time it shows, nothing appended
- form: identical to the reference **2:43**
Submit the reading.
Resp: **10:02**
